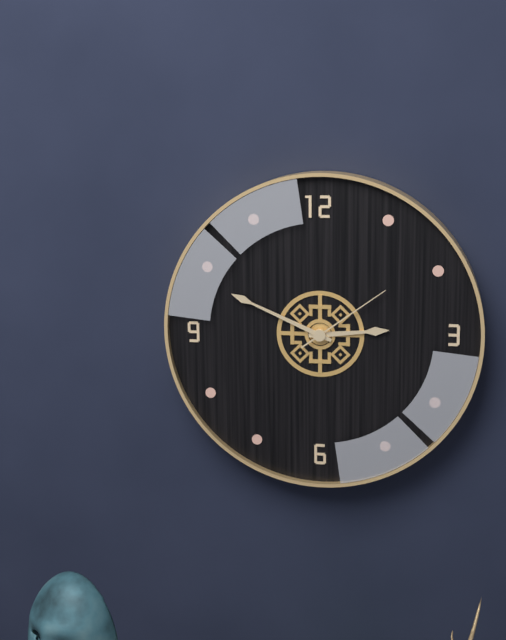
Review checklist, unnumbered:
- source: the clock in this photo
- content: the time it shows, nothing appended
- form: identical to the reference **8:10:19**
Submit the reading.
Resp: **2:49:09**
